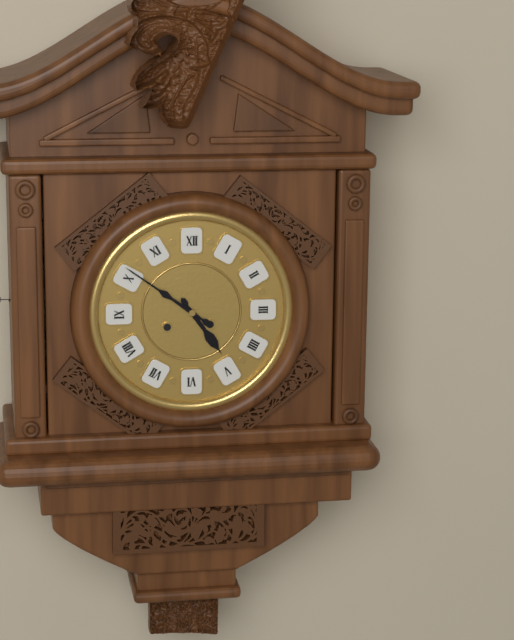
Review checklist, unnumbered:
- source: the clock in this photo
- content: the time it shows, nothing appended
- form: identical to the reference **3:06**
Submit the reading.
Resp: **4:51**
